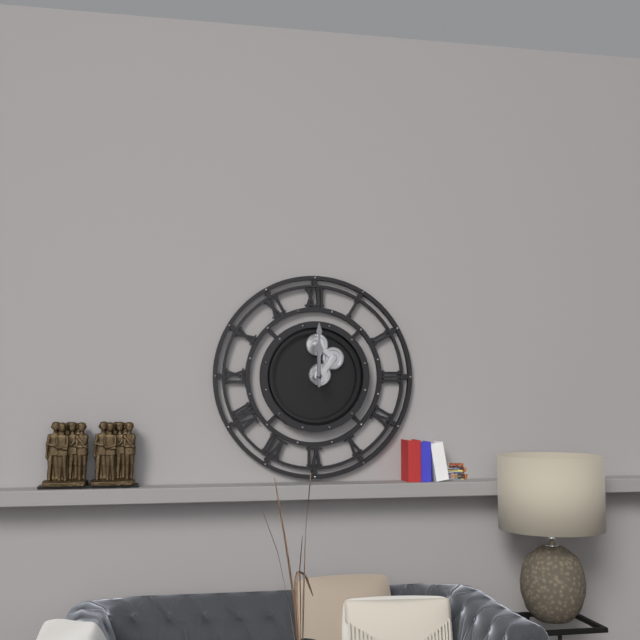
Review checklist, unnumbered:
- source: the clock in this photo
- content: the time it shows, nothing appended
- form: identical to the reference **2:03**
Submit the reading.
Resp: **12:00**
